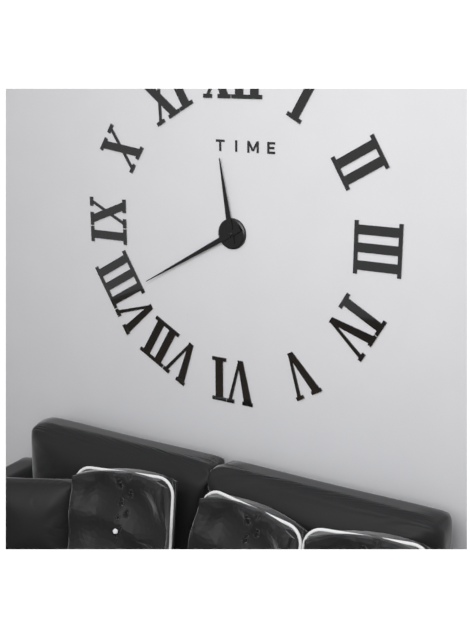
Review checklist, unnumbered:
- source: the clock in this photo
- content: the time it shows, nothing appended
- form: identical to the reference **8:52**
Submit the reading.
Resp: **11:40**
